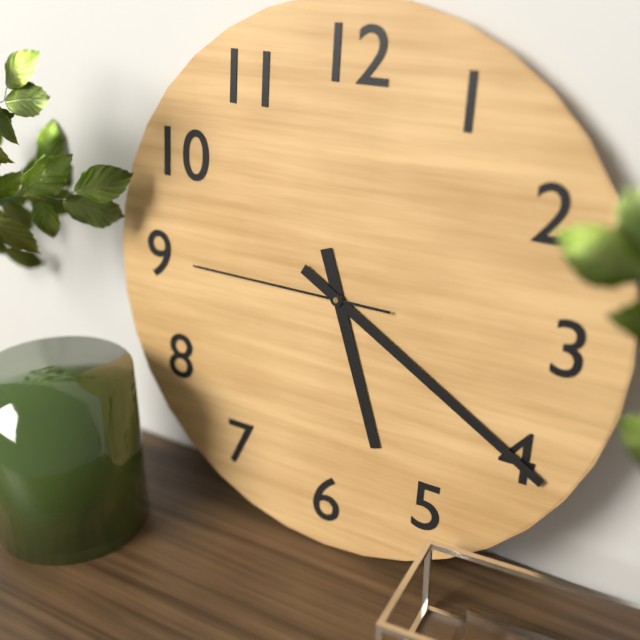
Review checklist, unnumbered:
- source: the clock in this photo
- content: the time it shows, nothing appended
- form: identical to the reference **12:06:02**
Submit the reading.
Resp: **5:20:45**
